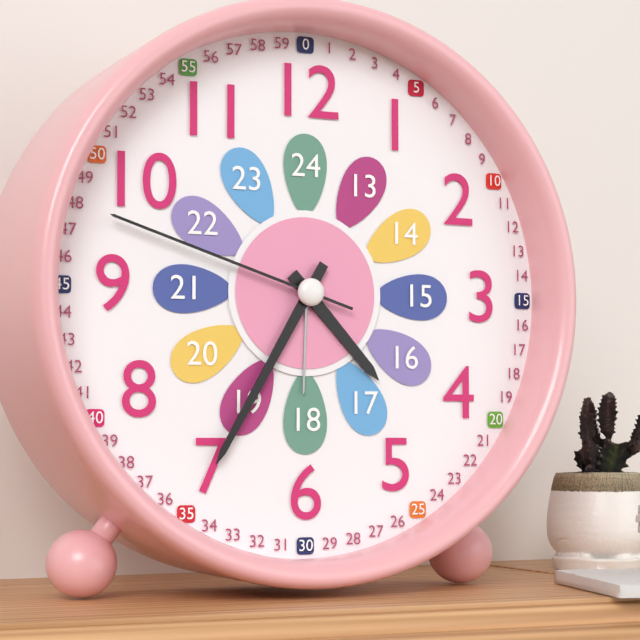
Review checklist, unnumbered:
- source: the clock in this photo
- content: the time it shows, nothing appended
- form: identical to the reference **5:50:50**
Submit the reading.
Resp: **4:35:48**
